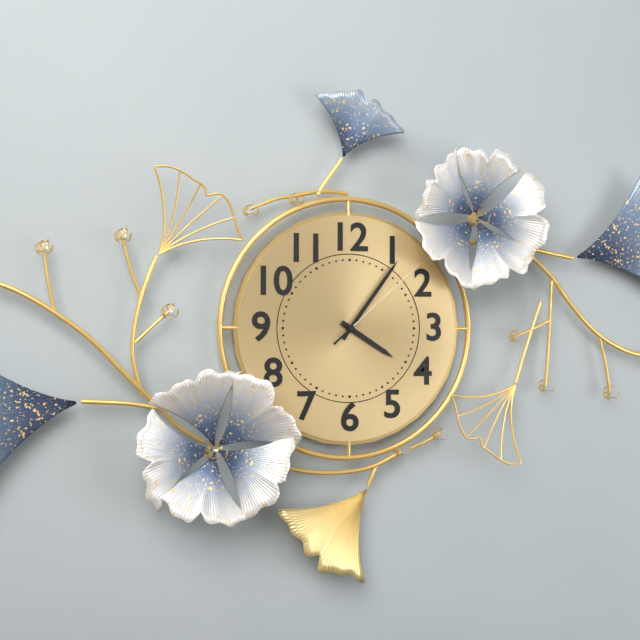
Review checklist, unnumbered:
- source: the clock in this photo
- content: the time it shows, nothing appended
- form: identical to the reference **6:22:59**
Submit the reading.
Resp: **4:06:08**
